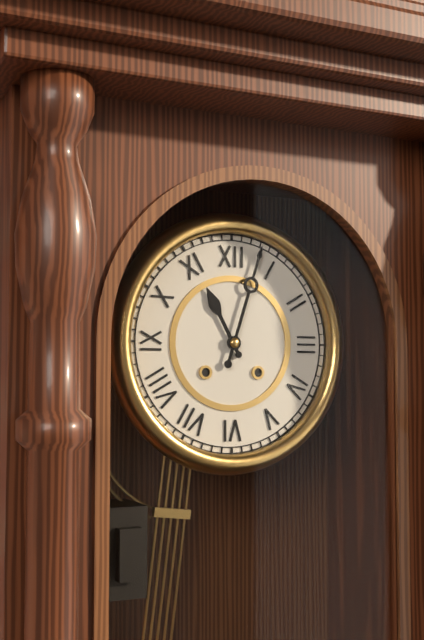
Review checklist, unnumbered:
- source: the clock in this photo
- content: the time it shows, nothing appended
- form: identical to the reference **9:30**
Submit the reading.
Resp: **11:03**
